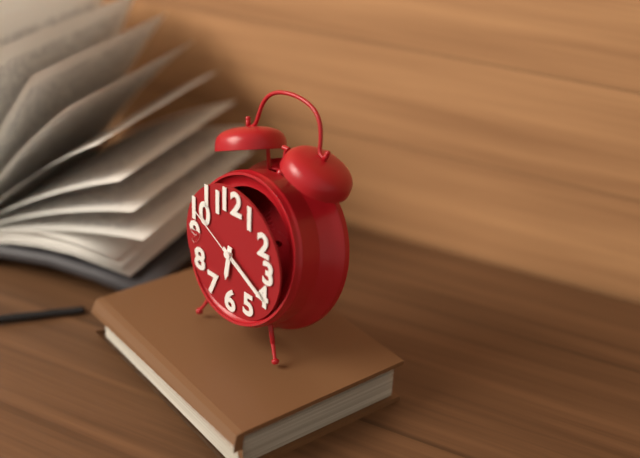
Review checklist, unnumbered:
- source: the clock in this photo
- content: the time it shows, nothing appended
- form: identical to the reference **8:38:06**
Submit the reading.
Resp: **6:20:50**
